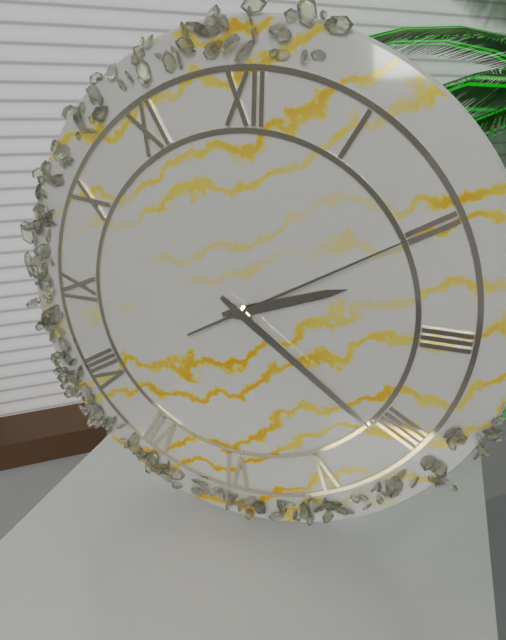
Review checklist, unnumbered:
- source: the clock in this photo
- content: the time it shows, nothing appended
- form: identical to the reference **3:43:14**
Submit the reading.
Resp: **2:21:10**
